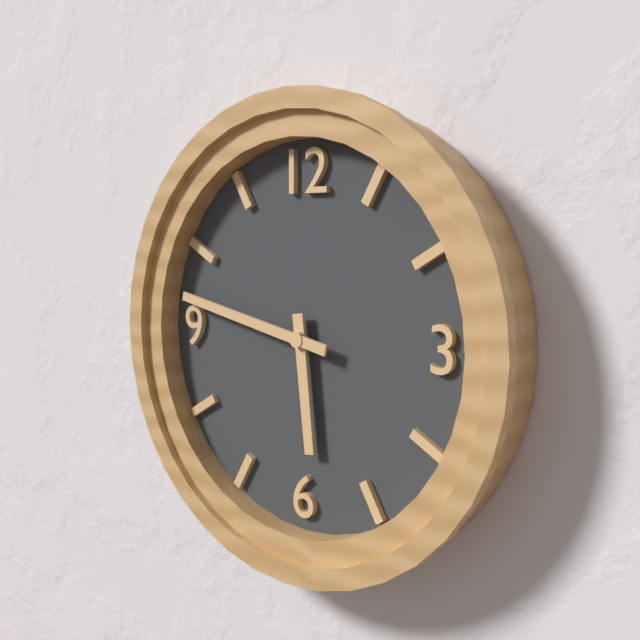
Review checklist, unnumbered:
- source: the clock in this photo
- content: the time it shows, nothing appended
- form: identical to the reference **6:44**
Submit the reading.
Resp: **5:47**
